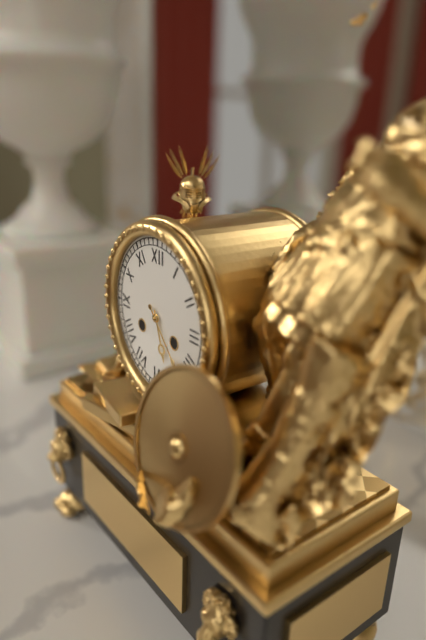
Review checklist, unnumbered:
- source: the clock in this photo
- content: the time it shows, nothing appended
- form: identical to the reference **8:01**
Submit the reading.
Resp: **5:23**
